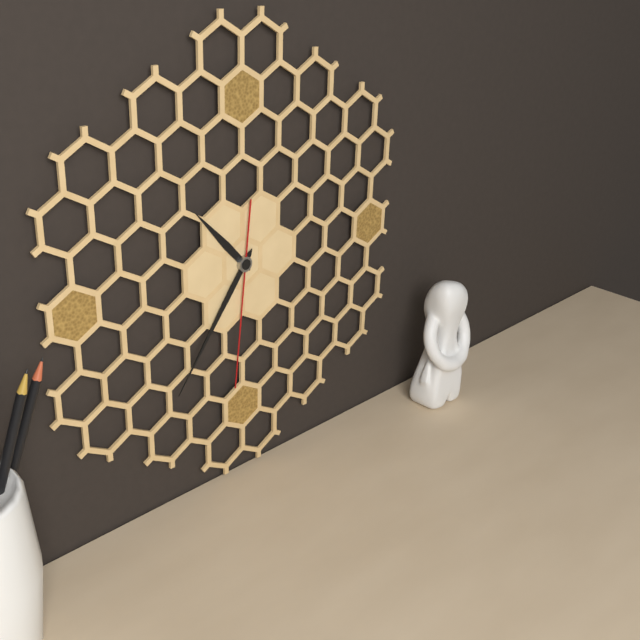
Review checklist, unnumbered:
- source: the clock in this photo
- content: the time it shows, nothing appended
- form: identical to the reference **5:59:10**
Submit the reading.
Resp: **10:36:31**
